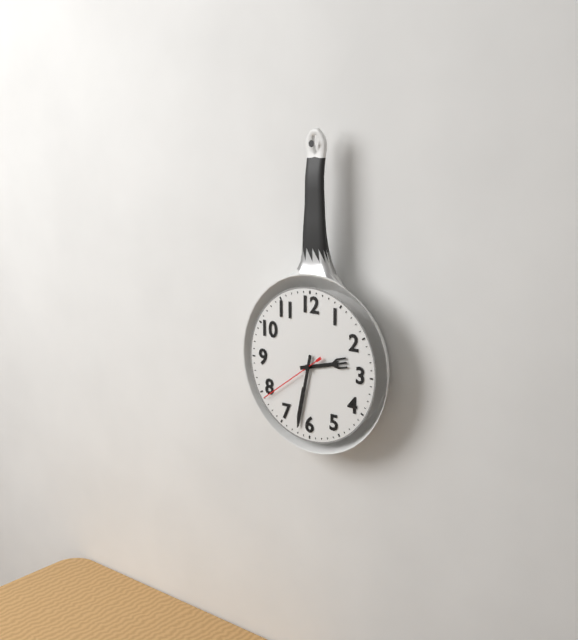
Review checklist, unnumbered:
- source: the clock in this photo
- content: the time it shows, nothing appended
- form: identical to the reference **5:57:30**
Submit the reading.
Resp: **2:32:39**
